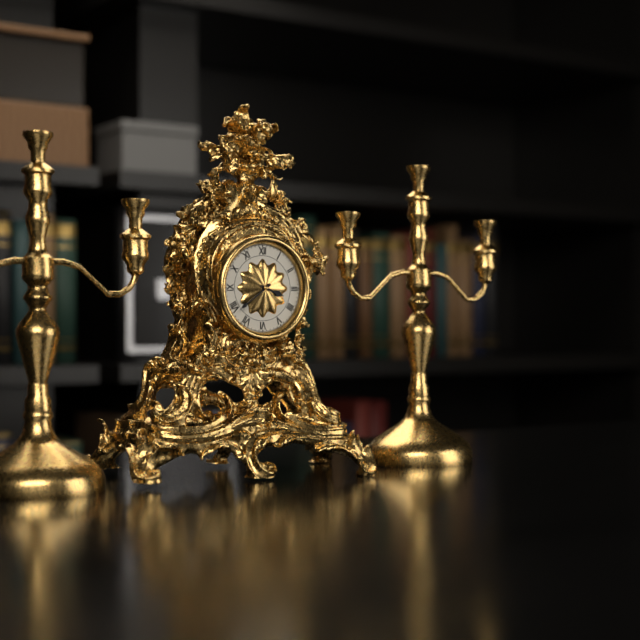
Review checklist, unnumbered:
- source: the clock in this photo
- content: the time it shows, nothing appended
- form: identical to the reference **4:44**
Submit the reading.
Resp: **3:39**
